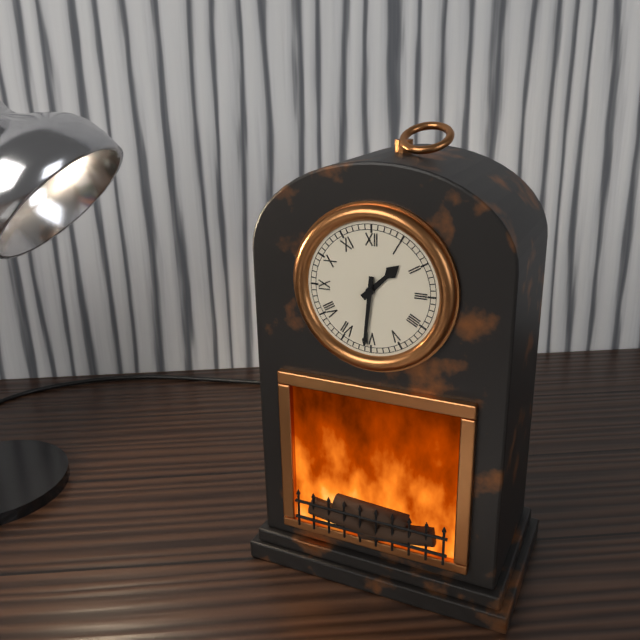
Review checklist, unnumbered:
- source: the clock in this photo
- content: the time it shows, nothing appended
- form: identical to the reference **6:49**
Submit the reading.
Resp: **1:31**
